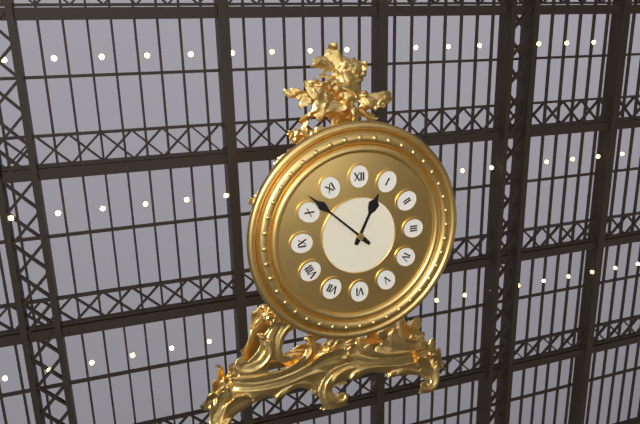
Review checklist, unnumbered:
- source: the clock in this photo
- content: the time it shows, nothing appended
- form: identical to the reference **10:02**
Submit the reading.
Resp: **12:52**
